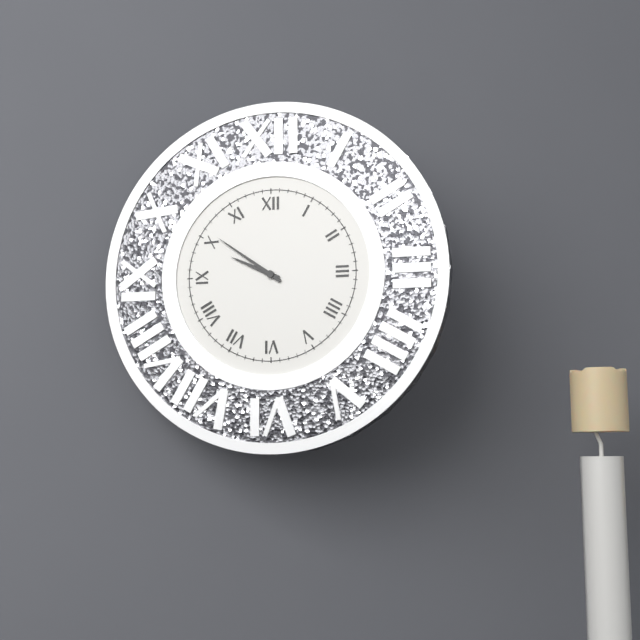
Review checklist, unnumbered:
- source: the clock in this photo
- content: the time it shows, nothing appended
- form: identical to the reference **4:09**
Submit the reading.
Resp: **9:51**
